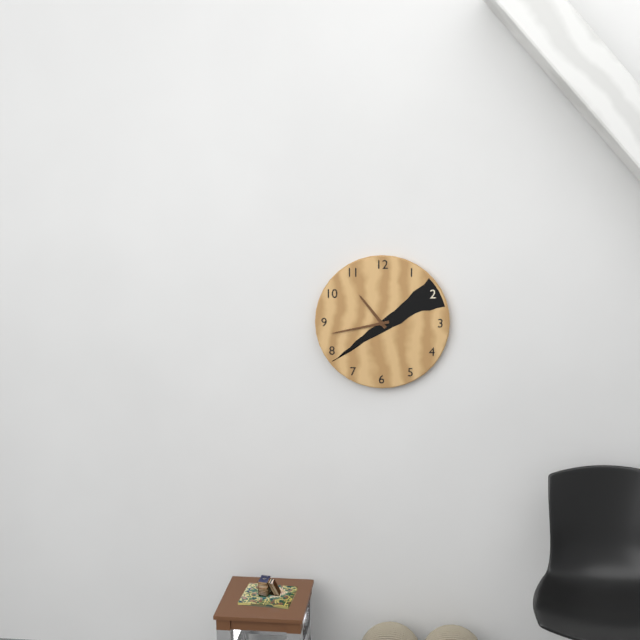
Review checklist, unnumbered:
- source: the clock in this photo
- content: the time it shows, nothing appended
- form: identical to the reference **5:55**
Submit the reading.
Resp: **10:43**
